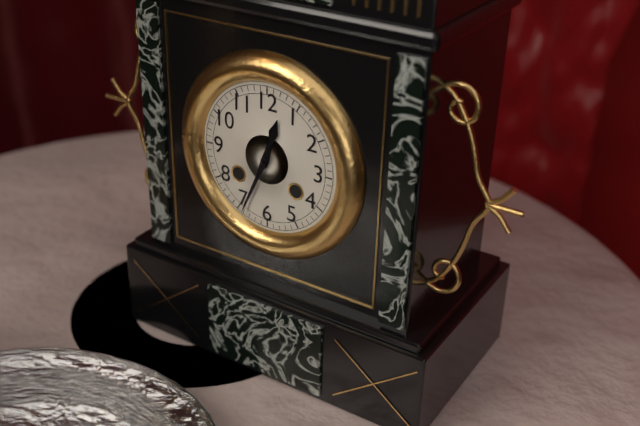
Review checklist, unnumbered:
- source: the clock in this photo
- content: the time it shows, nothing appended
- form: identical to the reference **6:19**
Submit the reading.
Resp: **12:34**
